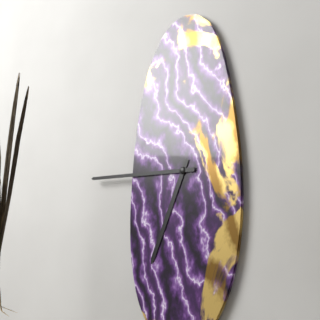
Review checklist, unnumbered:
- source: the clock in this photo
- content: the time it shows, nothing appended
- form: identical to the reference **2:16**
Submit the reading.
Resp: **6:45**
